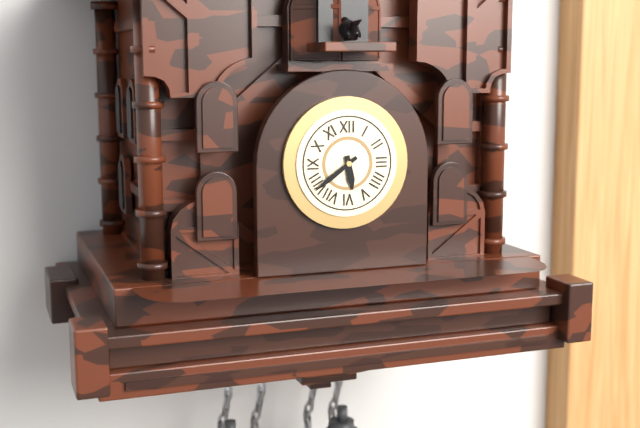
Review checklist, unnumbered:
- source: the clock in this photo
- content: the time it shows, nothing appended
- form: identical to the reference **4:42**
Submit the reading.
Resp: **5:39**
